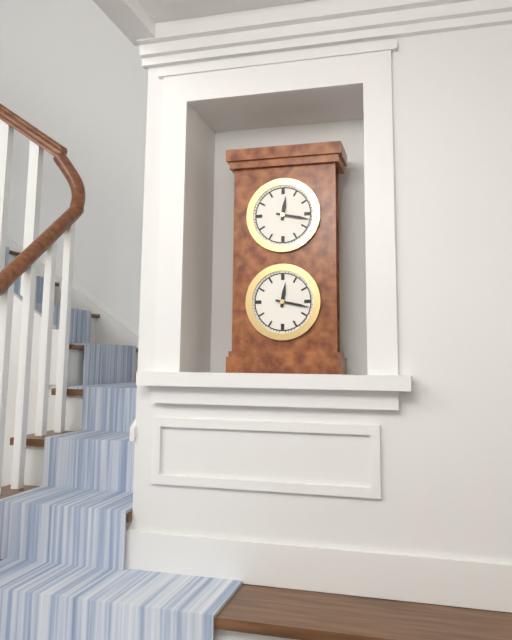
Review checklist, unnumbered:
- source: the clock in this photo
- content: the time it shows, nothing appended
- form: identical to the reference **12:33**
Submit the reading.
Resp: **12:17**
